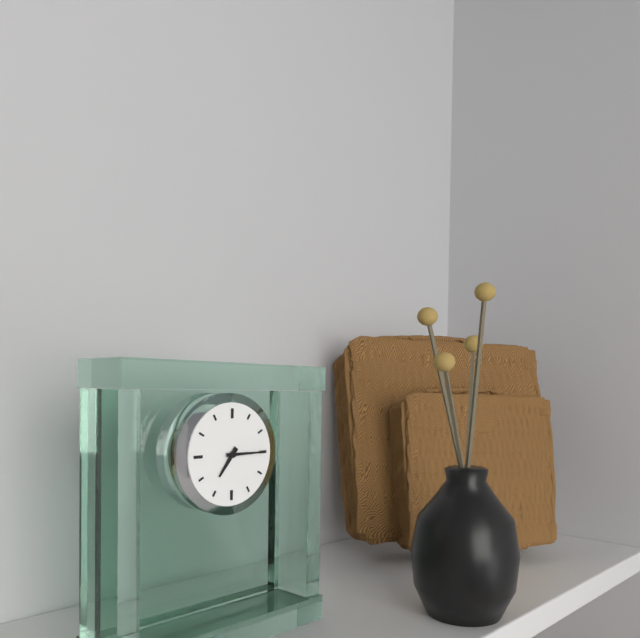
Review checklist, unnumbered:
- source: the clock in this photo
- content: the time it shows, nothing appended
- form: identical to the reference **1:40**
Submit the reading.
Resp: **7:15**
